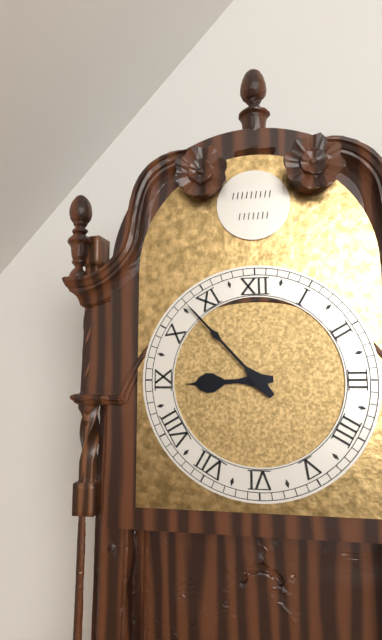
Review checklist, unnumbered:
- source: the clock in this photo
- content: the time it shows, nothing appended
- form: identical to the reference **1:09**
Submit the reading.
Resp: **8:53**
